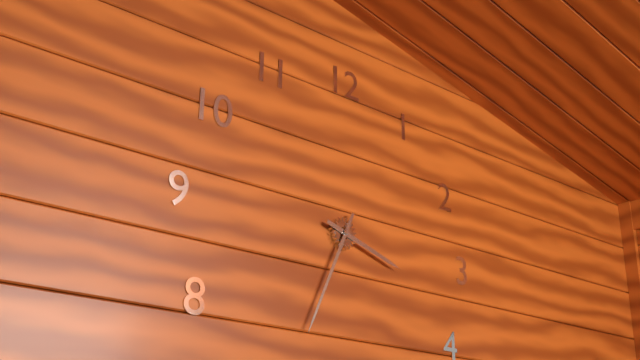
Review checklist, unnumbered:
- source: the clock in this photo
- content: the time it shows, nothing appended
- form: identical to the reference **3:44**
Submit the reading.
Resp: **3:34**
